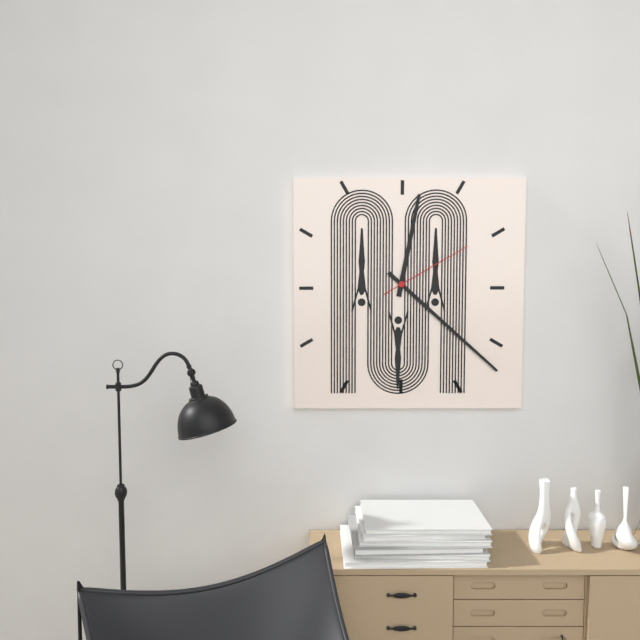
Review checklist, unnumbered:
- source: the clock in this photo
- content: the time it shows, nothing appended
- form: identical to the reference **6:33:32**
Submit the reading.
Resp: **12:22:10**
